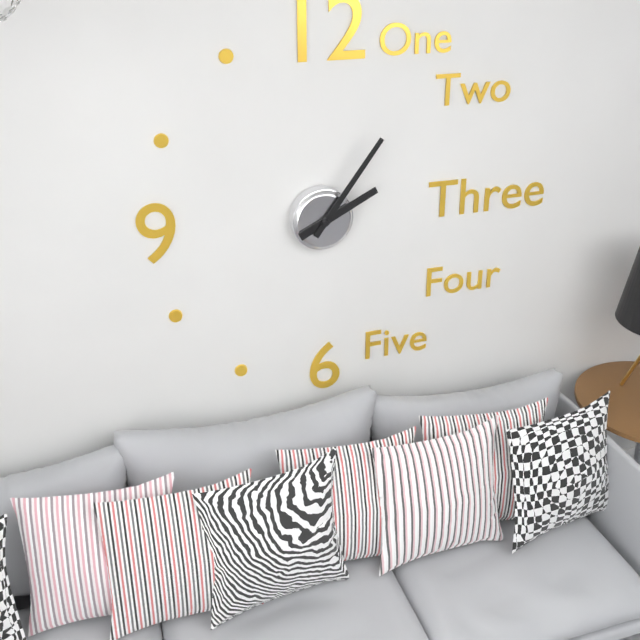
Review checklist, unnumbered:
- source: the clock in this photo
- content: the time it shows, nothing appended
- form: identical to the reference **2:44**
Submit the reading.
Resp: **2:06**
